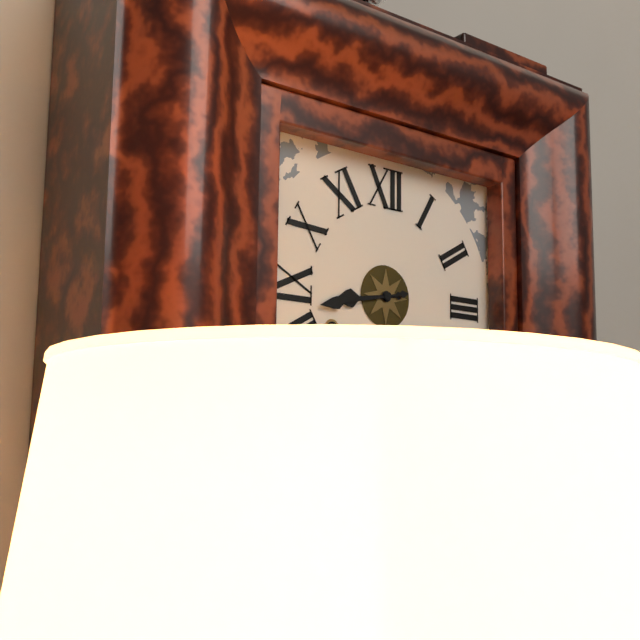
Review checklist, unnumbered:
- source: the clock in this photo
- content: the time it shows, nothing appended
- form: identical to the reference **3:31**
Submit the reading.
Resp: **8:43**
